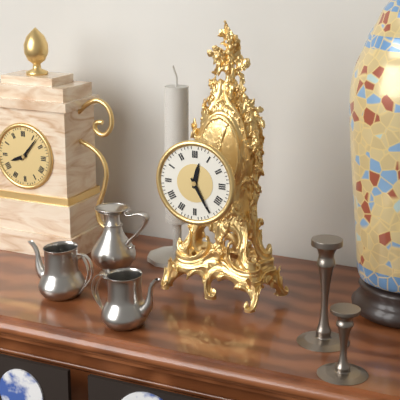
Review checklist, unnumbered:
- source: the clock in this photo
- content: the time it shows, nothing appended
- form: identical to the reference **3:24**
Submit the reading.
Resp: **12:25**
